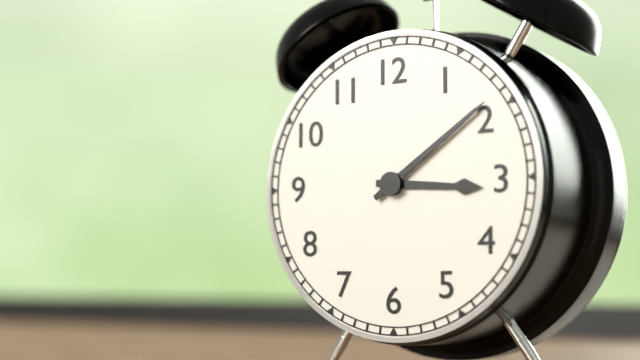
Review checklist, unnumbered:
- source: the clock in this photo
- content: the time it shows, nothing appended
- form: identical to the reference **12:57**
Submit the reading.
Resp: **3:09**
